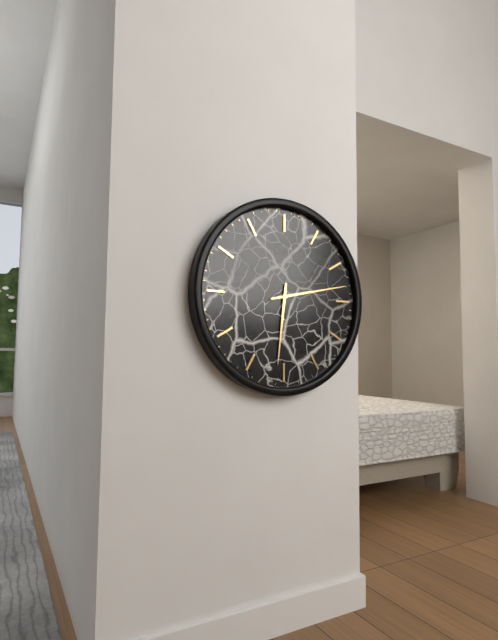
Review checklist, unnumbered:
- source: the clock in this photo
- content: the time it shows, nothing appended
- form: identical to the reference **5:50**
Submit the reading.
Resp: **6:13**
